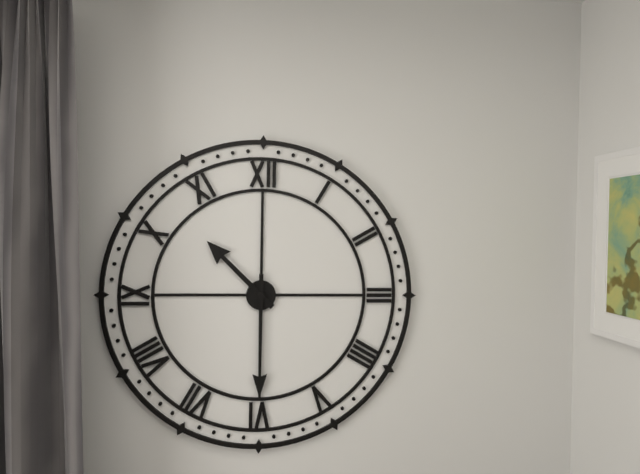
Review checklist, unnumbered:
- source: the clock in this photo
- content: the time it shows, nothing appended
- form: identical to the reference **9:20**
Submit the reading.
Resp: **10:30**
